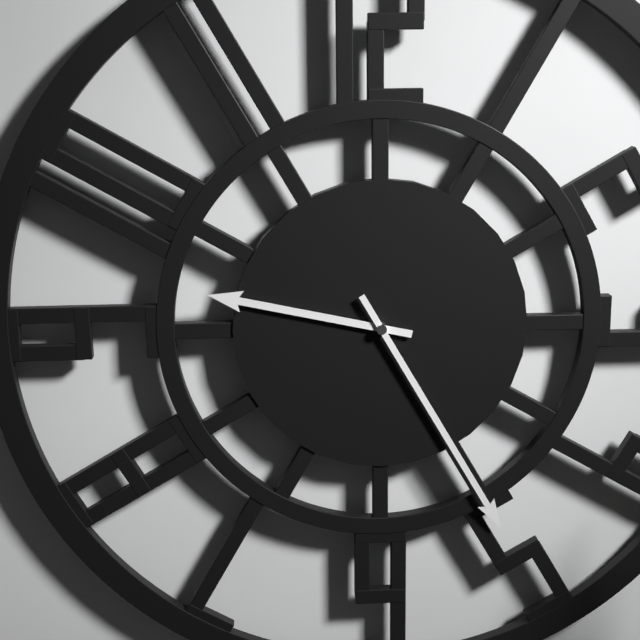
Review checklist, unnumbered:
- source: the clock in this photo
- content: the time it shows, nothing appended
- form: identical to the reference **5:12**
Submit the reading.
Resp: **9:25**
